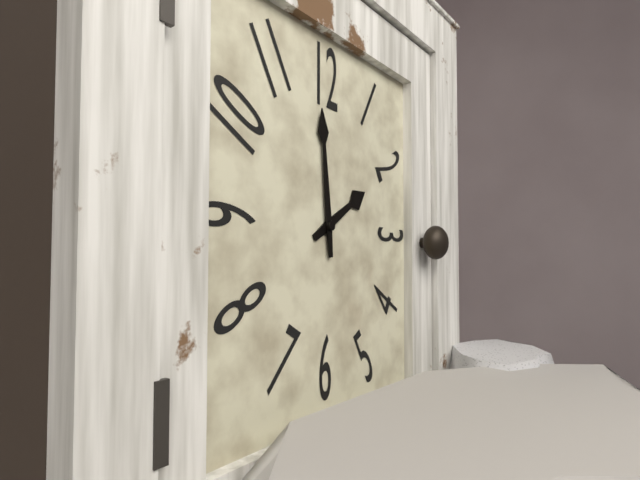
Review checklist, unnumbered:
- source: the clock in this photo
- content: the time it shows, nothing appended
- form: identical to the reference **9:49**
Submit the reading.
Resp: **1:59**
